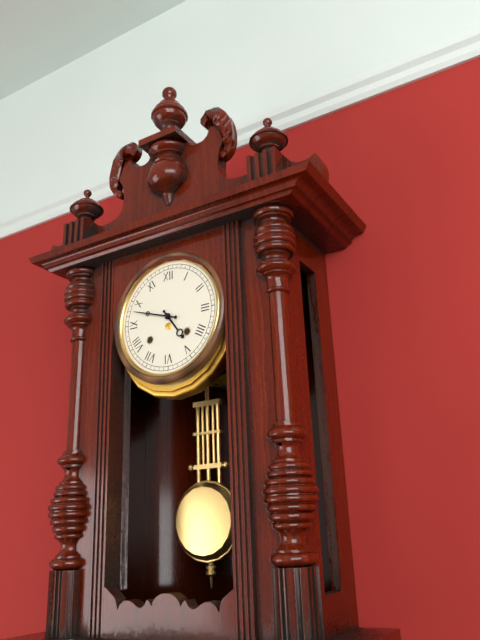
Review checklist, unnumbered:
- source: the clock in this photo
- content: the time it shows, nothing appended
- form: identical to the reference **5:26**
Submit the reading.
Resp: **4:48**
